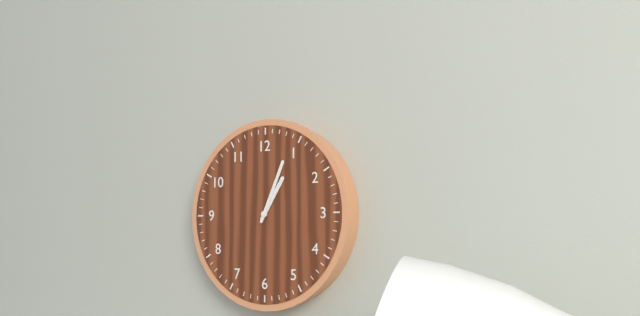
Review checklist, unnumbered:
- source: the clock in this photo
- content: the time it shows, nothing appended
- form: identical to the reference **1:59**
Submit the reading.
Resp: **1:04**
